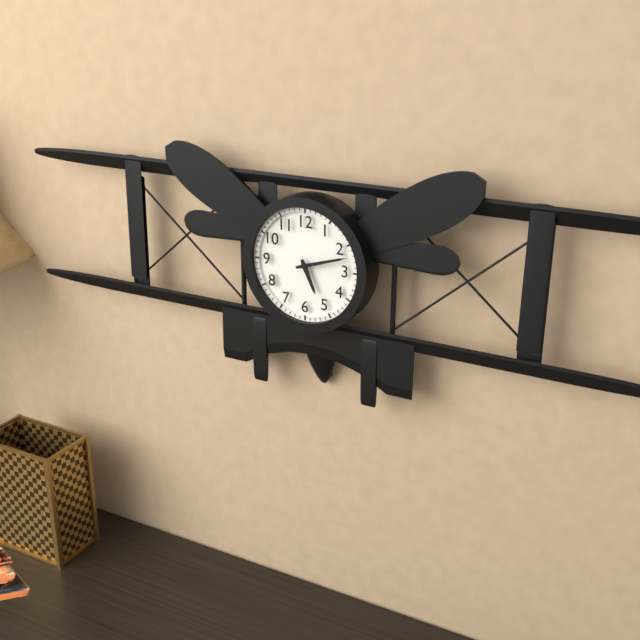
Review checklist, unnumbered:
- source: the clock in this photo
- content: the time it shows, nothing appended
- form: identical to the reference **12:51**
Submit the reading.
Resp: **5:12**
